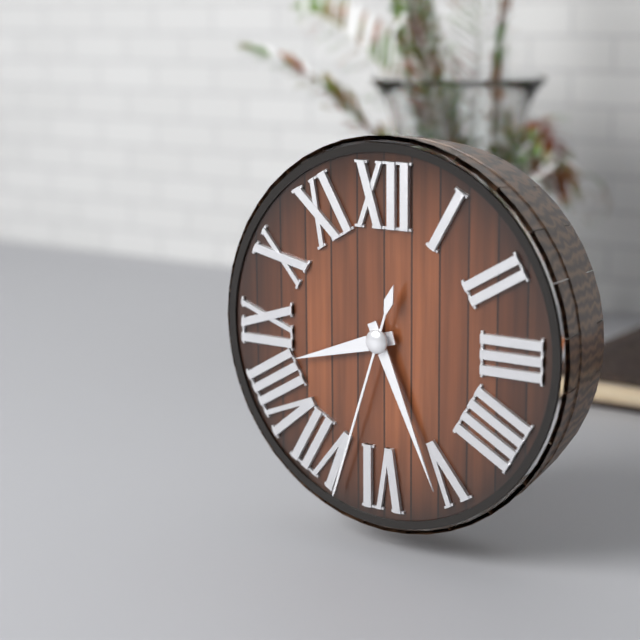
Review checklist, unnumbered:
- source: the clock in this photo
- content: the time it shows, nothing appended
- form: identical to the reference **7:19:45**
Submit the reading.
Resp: **8:26:33**
